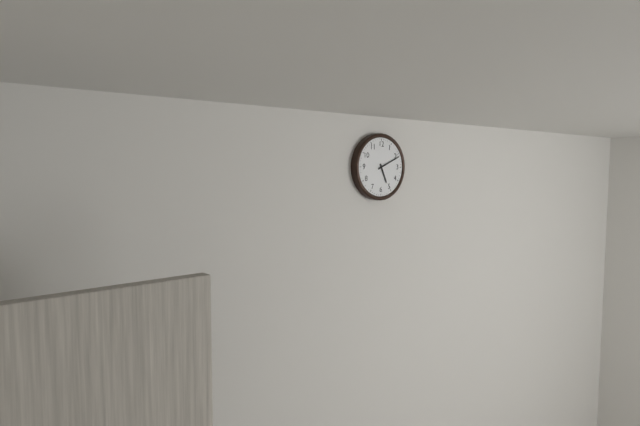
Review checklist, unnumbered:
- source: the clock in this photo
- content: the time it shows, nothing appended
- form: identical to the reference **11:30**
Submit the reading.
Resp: **5:11**
